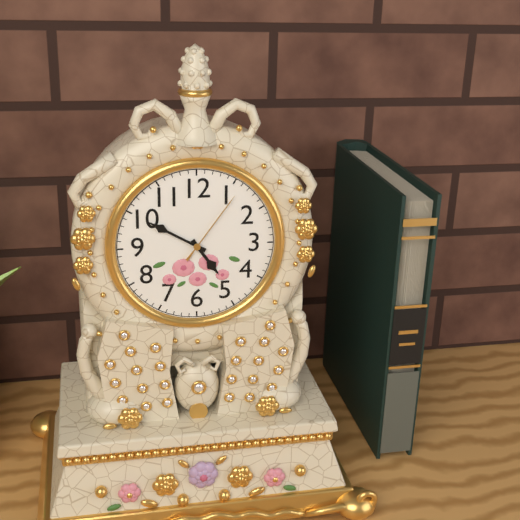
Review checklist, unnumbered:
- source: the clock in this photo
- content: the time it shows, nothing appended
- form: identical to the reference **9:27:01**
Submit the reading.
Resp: **4:50:06**
